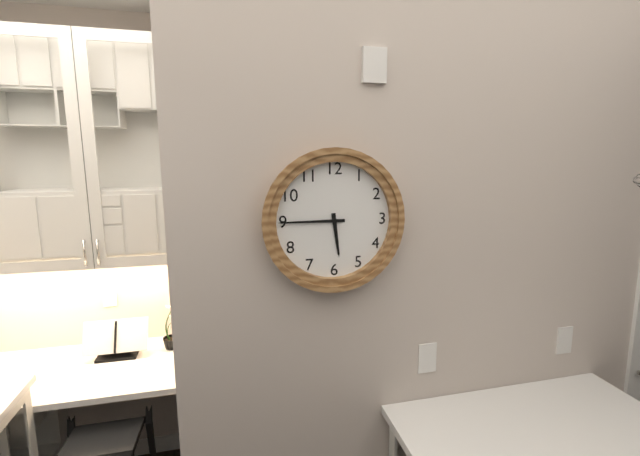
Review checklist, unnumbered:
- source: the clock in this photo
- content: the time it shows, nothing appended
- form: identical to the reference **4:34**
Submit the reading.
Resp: **5:45**
